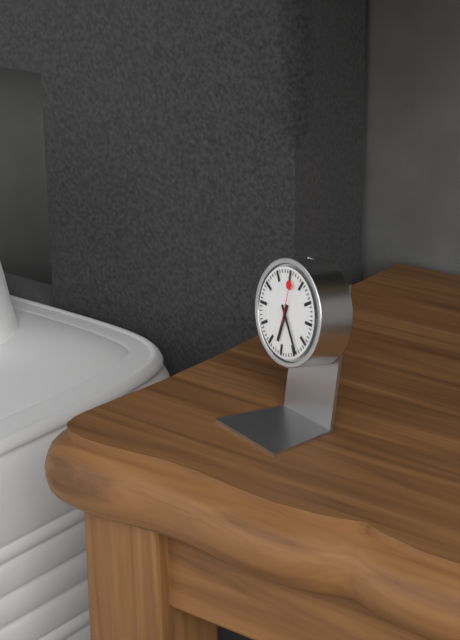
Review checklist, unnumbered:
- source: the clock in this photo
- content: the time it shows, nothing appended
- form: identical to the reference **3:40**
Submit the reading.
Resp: **6:24**
